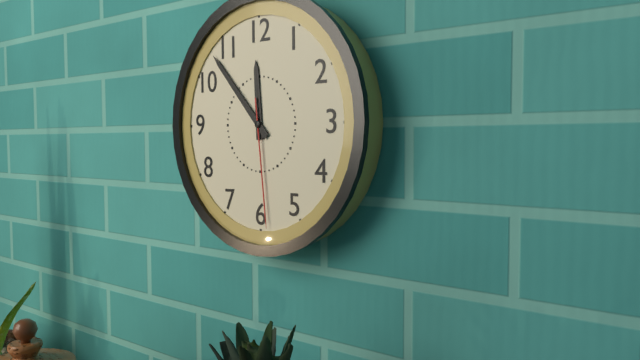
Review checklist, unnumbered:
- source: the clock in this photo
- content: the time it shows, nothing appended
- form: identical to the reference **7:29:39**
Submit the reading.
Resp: **11:53:29**
